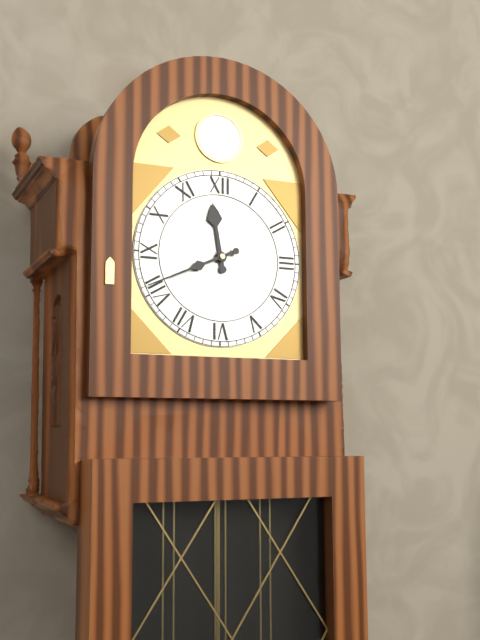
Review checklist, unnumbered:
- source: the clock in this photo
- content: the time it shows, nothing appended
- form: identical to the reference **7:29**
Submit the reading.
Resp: **11:41**
